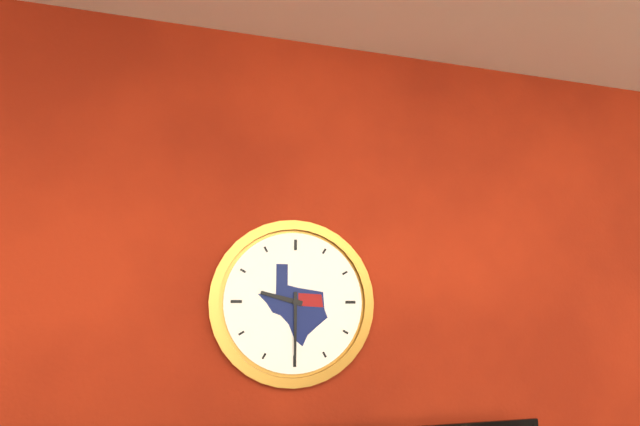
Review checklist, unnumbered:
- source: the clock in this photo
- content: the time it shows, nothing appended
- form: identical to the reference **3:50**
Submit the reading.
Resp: **9:30**
